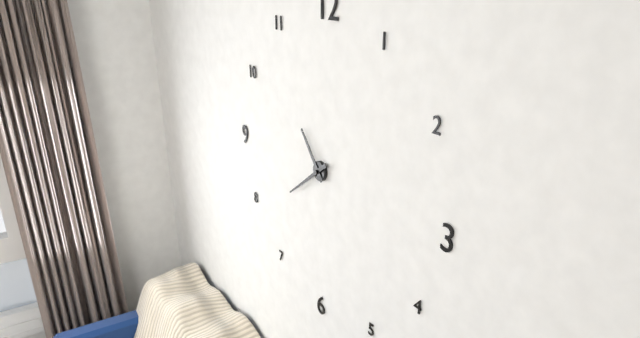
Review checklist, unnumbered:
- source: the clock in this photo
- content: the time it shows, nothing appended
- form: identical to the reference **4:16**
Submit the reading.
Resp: **10:39**
